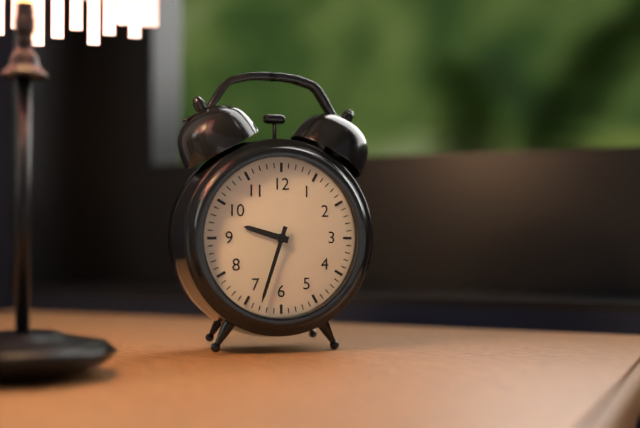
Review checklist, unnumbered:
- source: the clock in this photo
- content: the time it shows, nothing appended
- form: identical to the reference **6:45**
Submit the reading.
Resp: **9:33**
